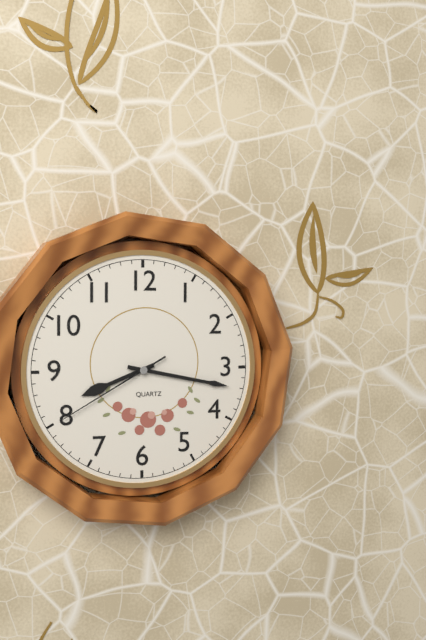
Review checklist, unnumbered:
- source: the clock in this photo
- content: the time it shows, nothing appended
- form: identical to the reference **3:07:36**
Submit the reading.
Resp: **8:17:40**
